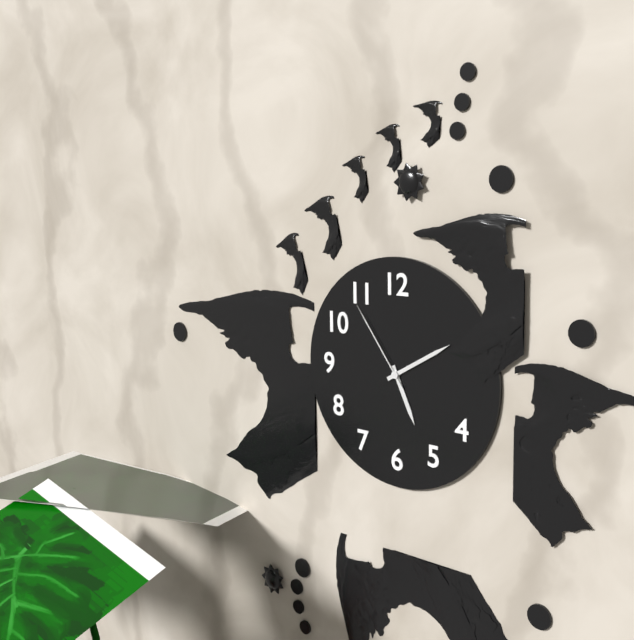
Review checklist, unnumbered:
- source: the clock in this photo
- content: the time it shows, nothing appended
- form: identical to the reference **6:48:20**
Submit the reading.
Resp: **5:10:54**
